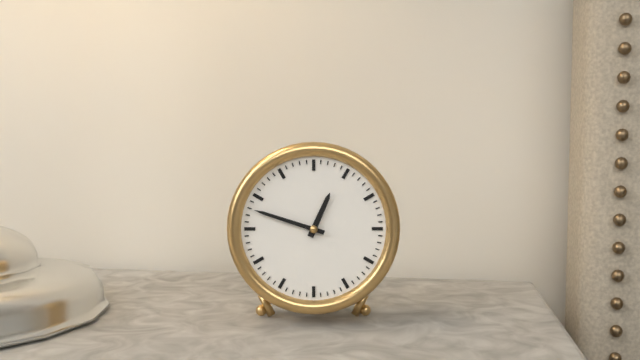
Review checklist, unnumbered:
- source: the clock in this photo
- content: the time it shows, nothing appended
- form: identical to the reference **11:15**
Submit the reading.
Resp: **12:48**
